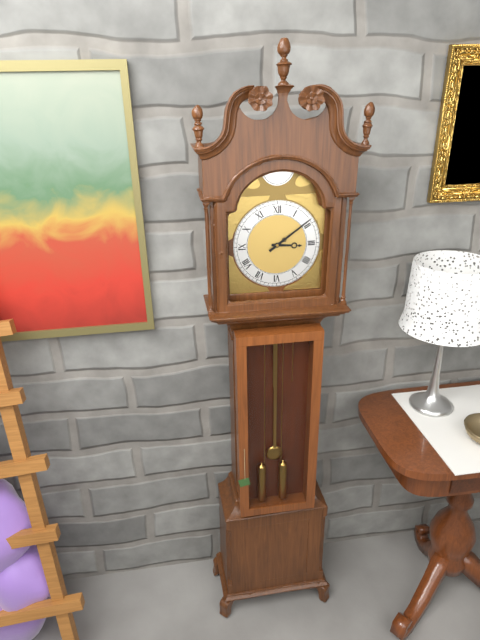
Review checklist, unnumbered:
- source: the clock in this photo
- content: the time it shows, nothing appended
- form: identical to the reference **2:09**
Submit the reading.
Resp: **3:09**
